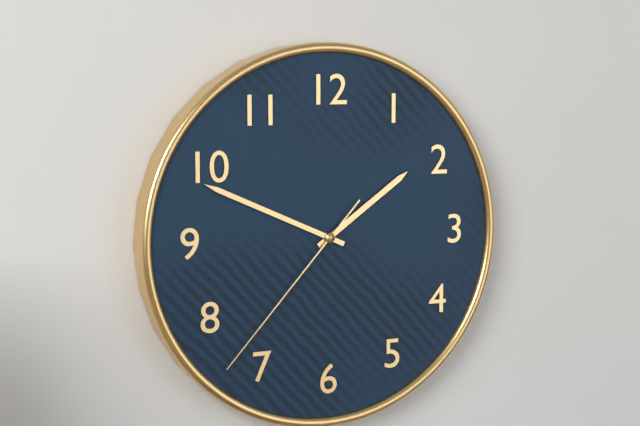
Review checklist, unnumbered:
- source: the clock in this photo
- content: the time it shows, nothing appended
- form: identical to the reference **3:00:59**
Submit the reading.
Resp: **1:49:37**
